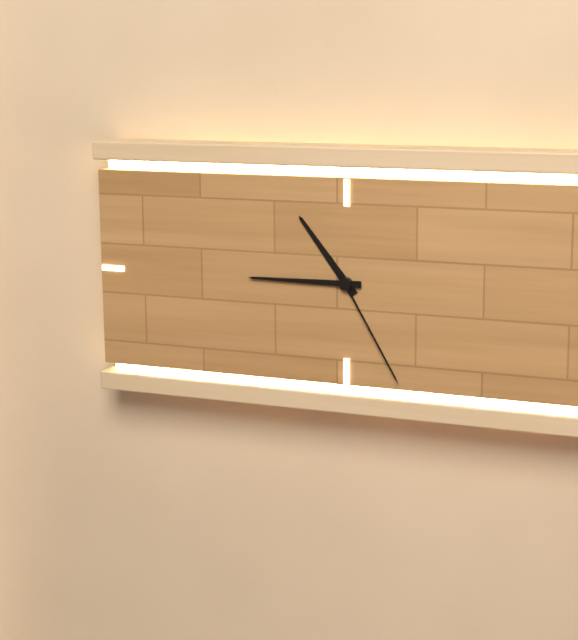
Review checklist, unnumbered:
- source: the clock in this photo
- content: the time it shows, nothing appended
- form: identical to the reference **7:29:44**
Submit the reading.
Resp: **10:45:25**
